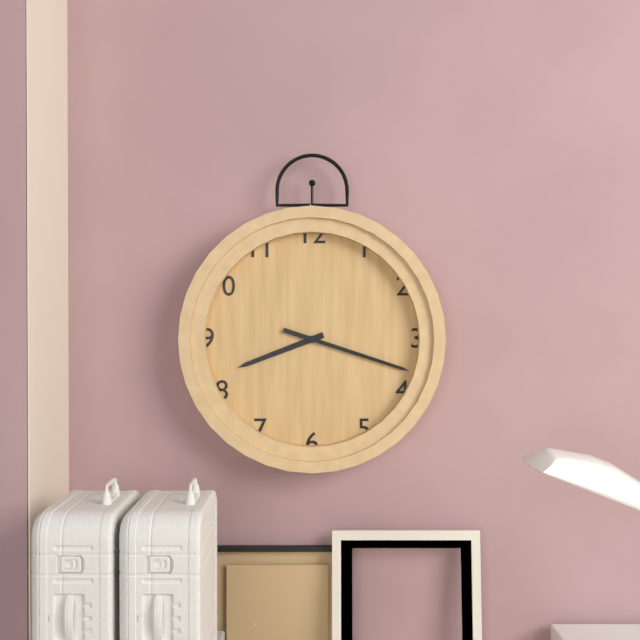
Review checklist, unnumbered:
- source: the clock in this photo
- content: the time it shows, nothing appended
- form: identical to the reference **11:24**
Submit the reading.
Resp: **8:18**
